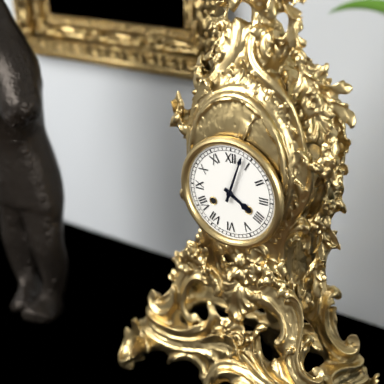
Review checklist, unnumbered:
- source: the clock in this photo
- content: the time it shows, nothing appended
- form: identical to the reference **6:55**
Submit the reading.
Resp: **4:03**
